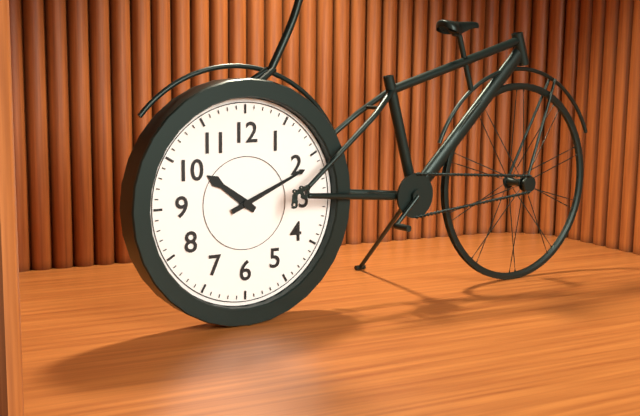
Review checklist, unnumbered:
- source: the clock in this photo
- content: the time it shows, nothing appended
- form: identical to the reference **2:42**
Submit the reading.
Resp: **10:11**
